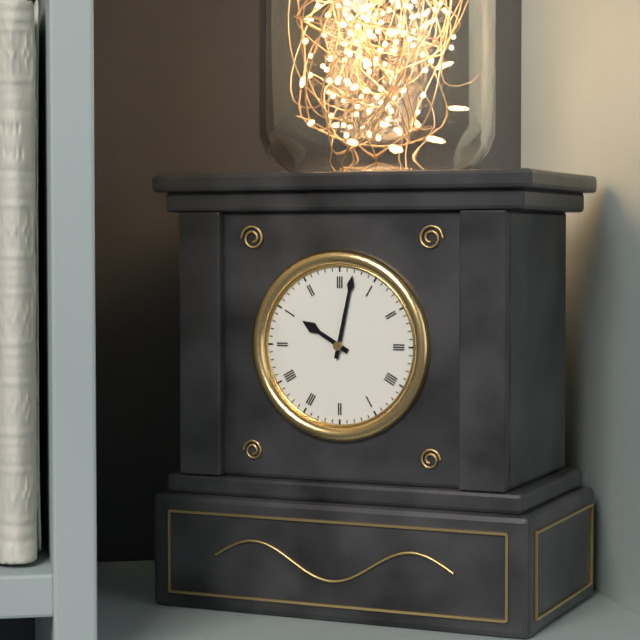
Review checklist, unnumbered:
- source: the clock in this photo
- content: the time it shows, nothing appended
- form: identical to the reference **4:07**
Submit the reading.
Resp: **10:02**
